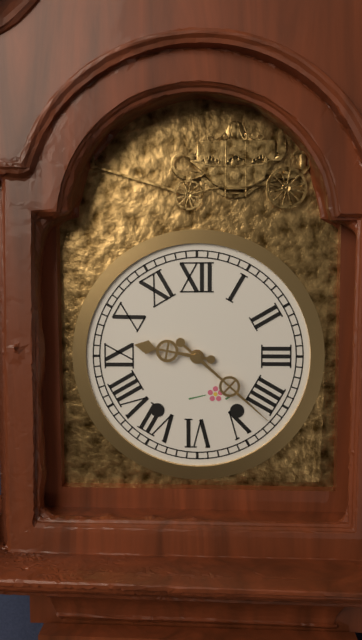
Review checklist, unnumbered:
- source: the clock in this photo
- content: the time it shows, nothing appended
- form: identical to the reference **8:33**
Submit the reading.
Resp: **9:22**
